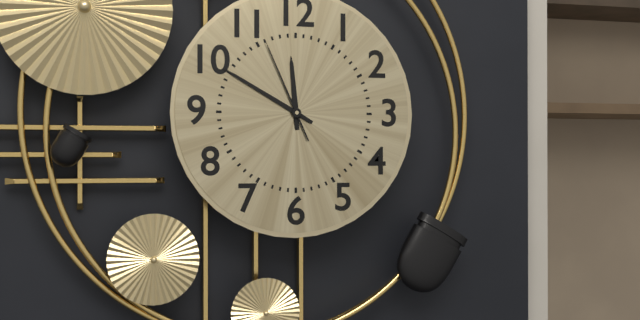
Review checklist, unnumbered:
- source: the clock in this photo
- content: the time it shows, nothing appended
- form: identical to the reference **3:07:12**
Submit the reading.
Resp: **11:50:56**
